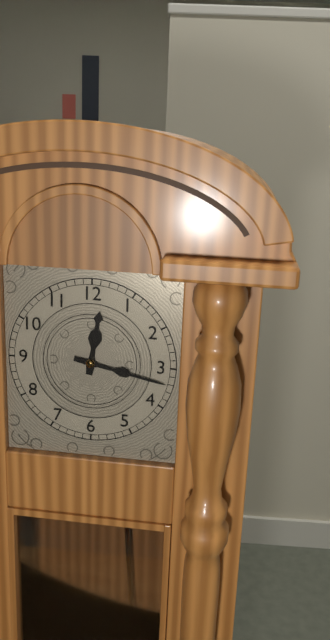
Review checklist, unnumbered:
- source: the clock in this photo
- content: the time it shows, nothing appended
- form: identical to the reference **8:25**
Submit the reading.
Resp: **12:17**
